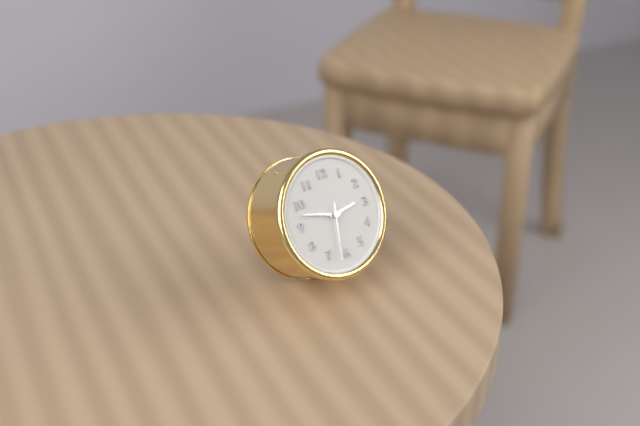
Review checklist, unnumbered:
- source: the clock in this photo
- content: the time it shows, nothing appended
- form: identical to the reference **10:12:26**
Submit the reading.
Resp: **2:48:32**
